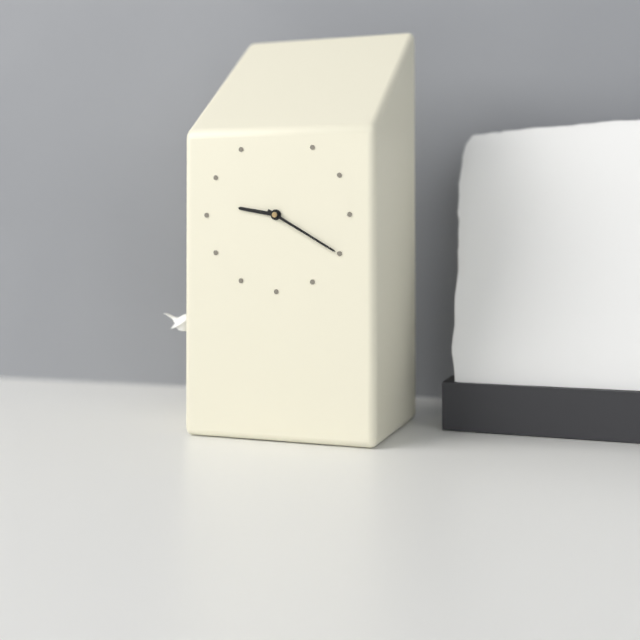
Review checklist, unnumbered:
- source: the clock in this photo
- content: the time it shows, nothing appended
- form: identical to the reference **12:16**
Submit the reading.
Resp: **9:20**
